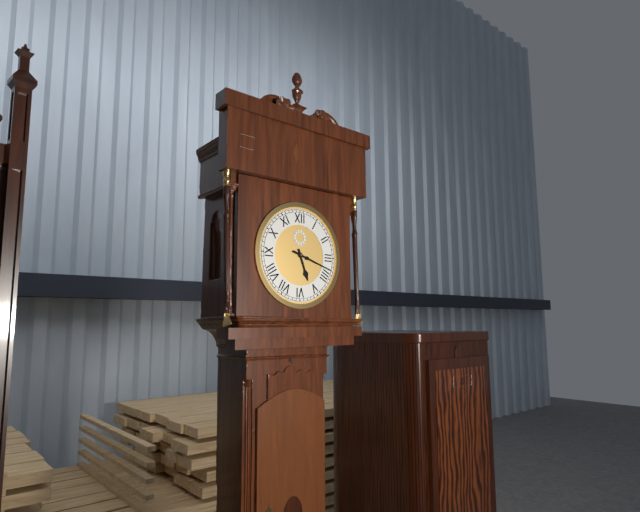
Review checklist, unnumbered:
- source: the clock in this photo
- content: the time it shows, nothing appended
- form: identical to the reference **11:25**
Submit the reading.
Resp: **5:18**
